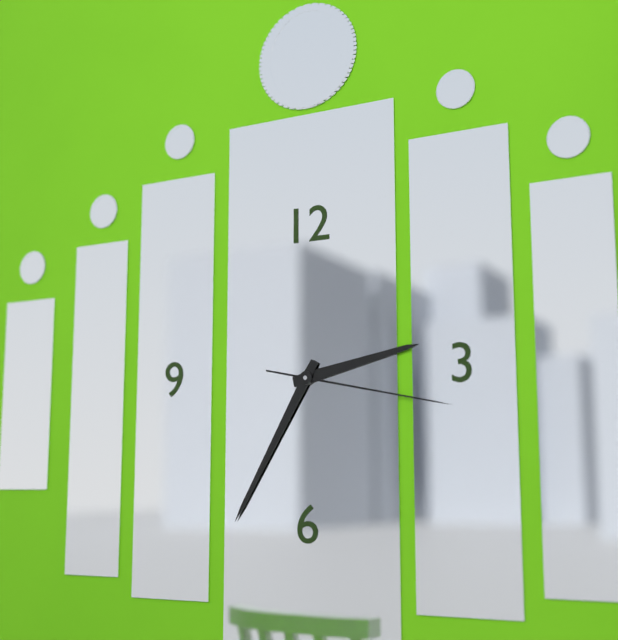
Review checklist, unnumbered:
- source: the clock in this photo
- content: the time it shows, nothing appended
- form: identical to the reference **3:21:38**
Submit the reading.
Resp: **2:35:17**
